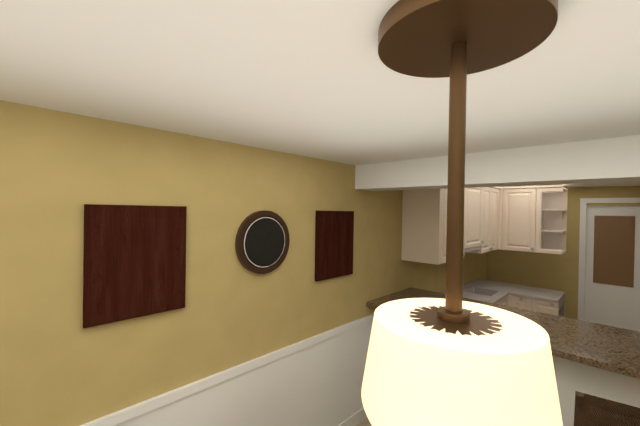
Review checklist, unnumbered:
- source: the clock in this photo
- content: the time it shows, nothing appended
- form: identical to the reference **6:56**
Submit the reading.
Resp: **12:50**
